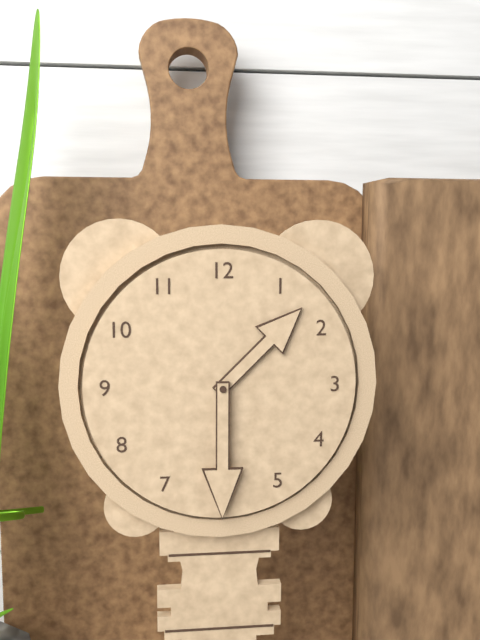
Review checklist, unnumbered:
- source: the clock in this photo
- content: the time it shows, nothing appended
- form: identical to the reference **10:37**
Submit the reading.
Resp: **1:30**
